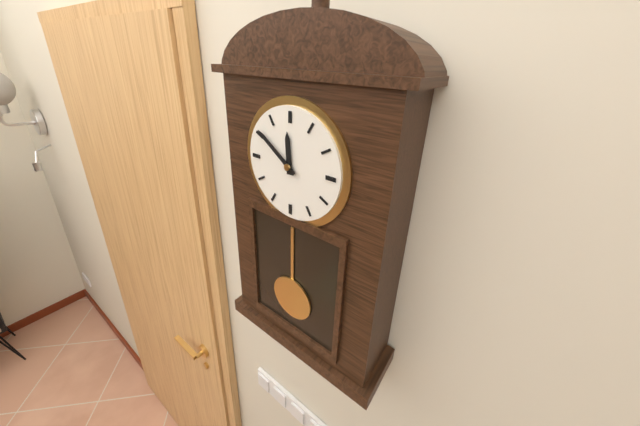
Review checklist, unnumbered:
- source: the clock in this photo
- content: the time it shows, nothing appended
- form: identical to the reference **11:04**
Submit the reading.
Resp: **11:51**
